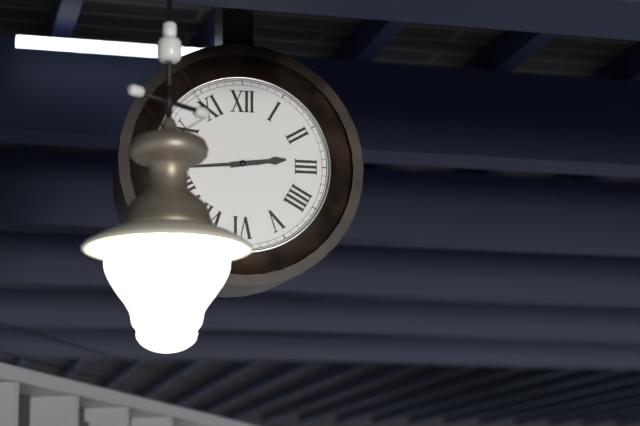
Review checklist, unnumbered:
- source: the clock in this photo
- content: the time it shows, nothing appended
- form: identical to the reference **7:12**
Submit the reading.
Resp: **2:44**
